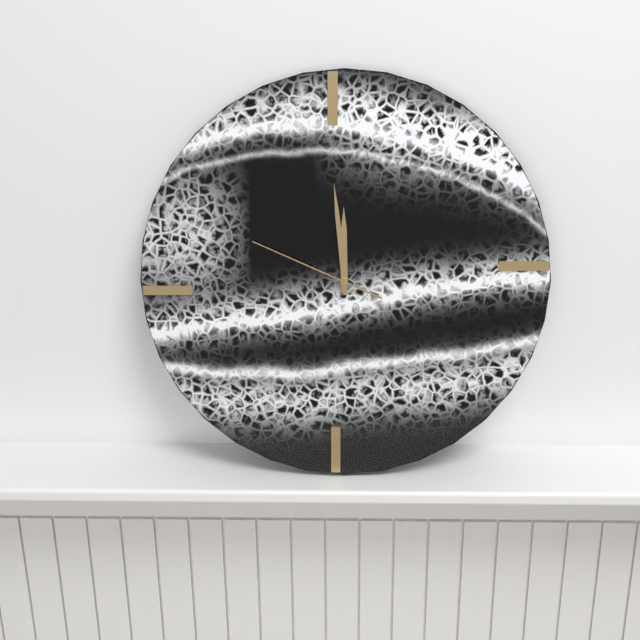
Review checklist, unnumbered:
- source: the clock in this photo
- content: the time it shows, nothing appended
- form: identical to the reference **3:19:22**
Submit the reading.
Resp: **11:59:49**
